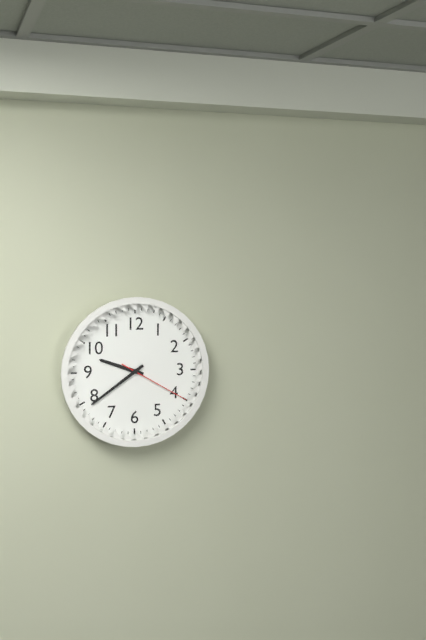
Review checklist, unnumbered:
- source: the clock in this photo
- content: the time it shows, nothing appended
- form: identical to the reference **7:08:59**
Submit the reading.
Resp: **9:39:20**
